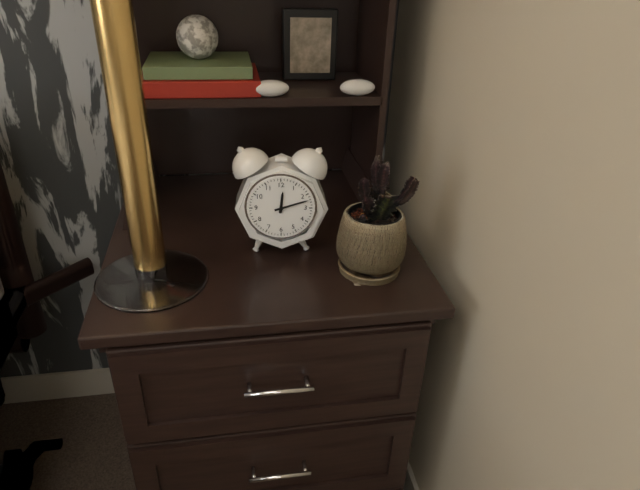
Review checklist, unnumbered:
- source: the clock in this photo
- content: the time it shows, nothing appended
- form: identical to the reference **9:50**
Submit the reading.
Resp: **12:12**
